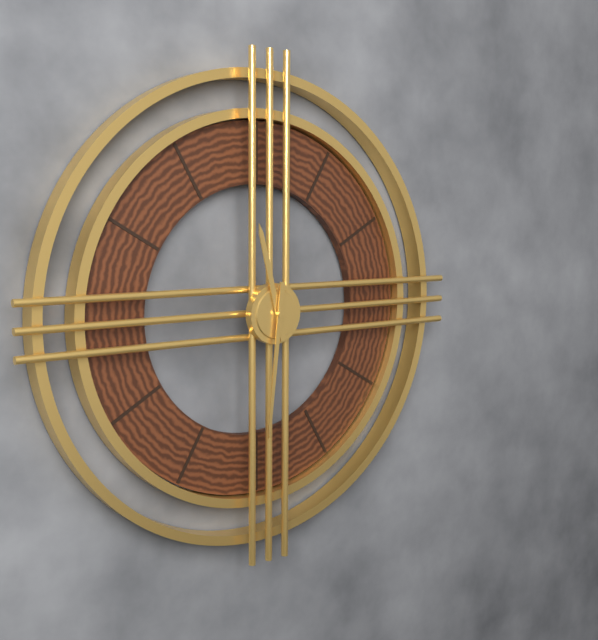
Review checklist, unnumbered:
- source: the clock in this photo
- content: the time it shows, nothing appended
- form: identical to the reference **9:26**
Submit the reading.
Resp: **11:31**
